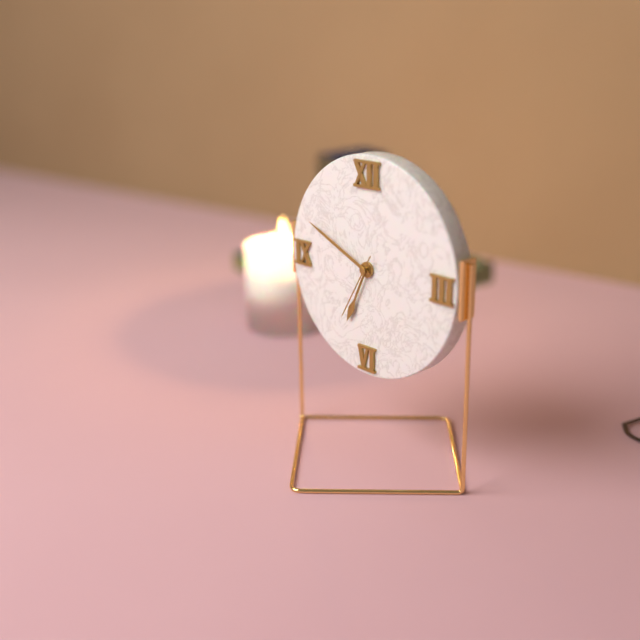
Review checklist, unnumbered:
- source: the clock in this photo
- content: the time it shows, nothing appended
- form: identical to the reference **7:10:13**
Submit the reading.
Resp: **6:49:35**
